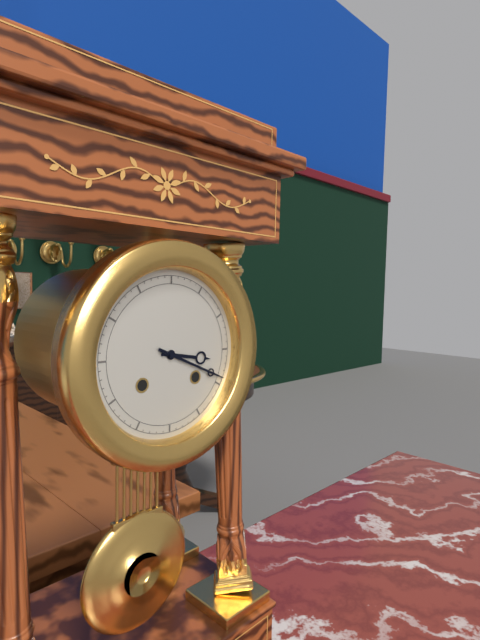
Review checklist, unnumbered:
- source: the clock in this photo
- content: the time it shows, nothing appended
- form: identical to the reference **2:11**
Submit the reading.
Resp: **3:19**
